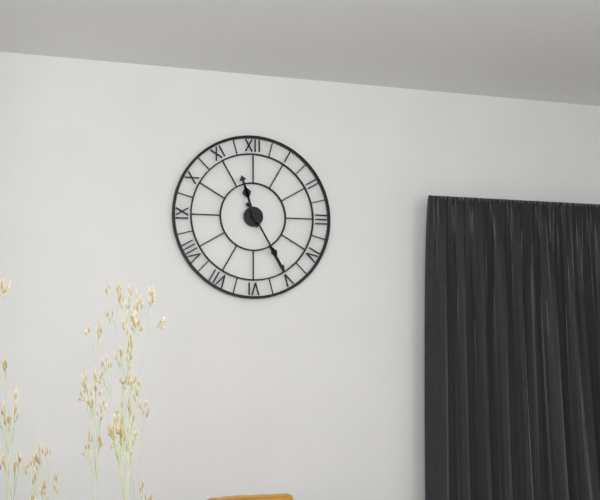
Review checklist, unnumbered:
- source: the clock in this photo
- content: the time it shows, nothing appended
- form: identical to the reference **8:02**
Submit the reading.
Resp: **11:25**
